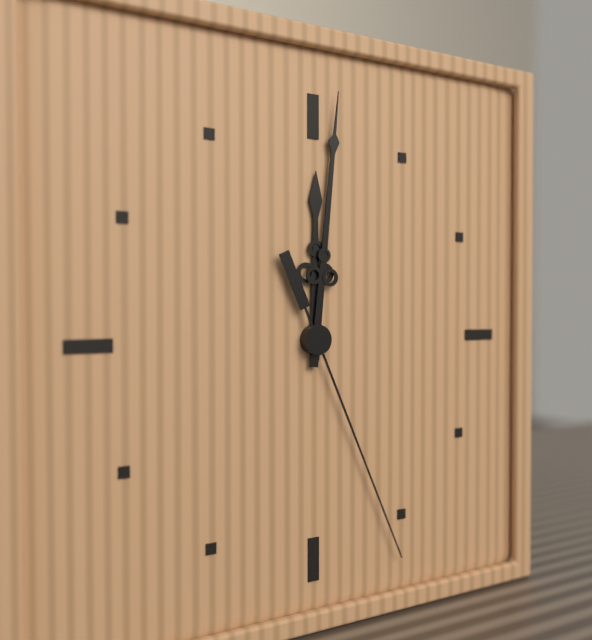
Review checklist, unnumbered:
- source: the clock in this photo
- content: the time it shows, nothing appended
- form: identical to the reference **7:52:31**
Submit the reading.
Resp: **12:01:26**
